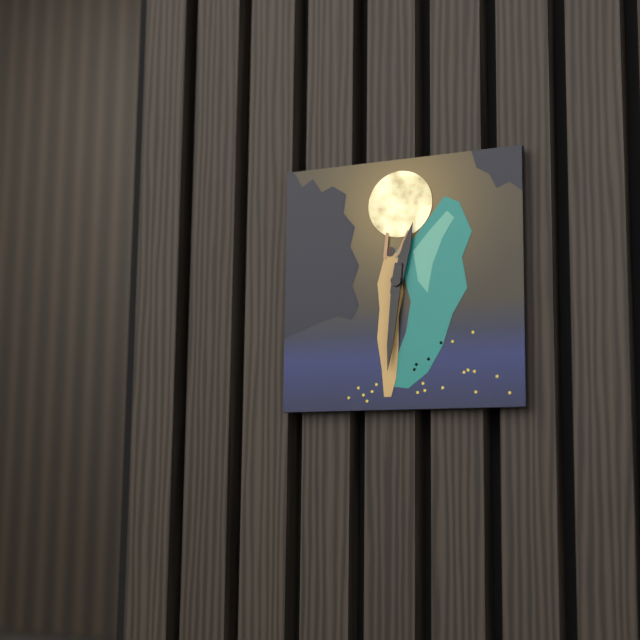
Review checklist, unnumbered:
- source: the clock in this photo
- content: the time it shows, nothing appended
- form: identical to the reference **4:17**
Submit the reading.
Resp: **12:31**
